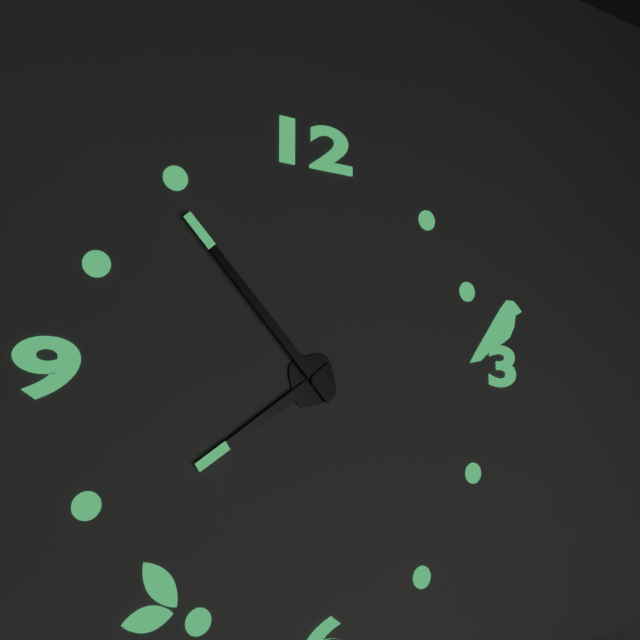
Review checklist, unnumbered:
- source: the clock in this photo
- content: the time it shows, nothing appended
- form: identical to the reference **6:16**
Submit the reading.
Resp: **7:53**
